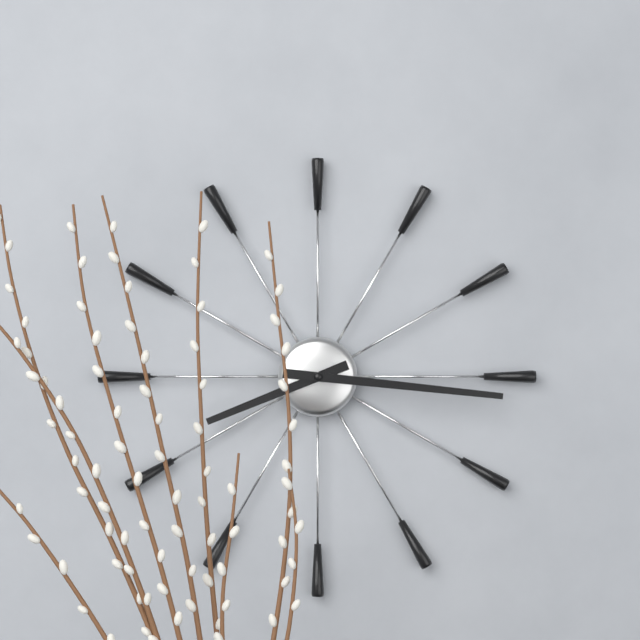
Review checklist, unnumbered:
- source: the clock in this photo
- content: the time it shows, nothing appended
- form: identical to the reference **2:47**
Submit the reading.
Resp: **8:16**
